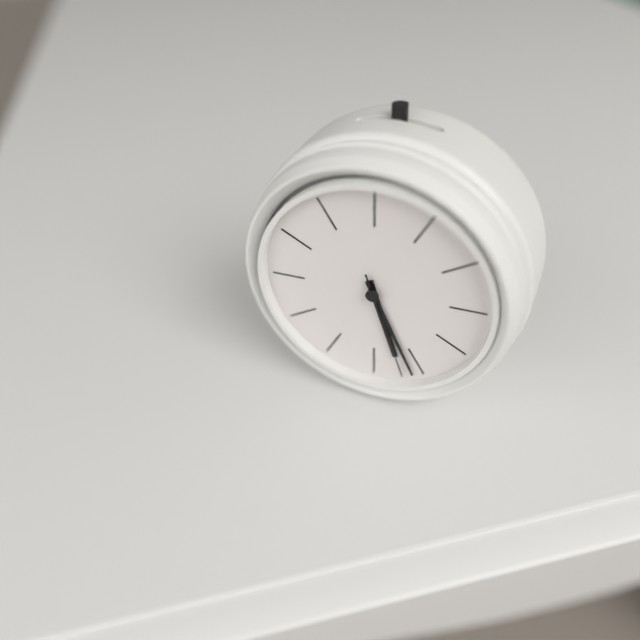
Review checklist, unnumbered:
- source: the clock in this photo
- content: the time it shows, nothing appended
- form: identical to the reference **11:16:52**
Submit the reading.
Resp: **5:26:27**
